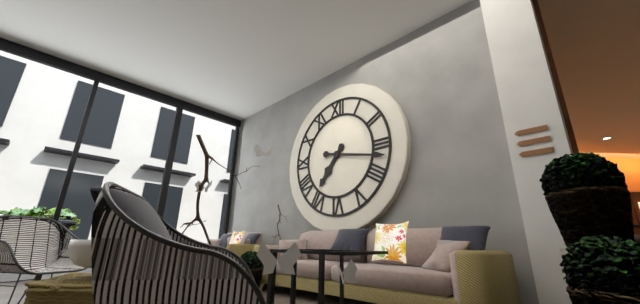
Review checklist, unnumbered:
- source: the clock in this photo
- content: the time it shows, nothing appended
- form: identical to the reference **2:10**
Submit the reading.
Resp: **7:17**
